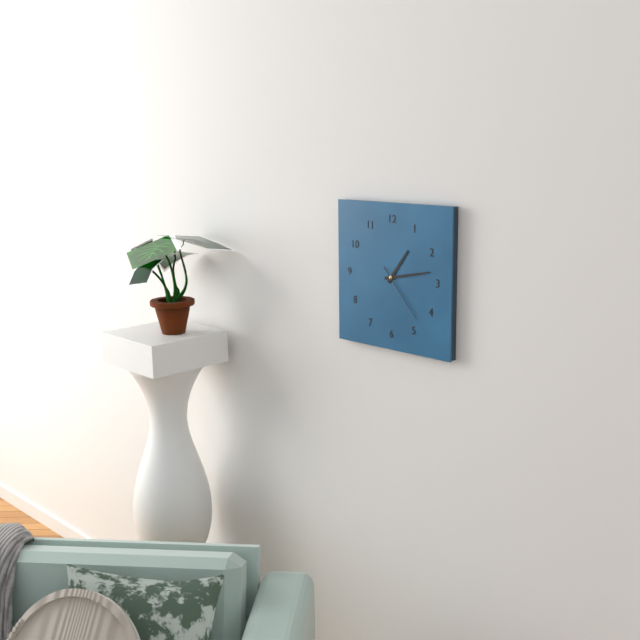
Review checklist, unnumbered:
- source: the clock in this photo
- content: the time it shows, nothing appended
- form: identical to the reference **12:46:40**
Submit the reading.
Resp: **1:13:23**
